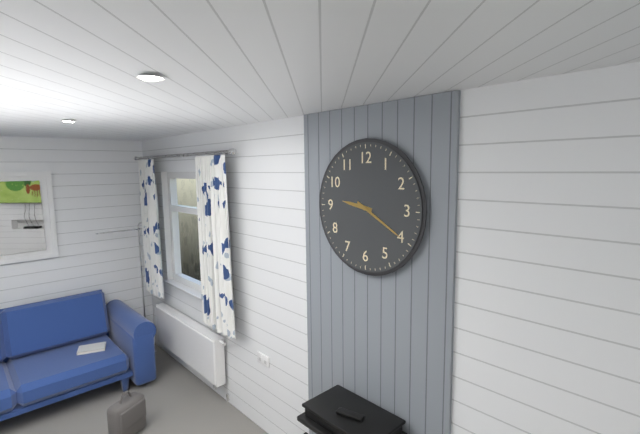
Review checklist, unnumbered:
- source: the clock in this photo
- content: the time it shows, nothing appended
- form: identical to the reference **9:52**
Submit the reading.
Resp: **9:20**
